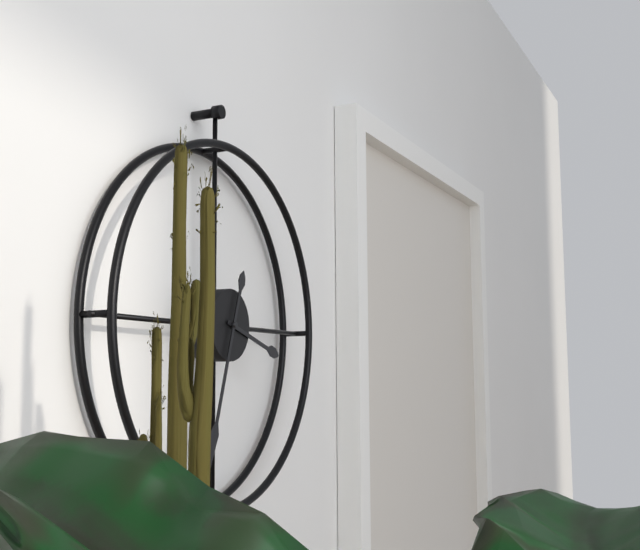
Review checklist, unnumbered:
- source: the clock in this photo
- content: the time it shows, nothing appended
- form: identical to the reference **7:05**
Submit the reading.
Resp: **3:33**
